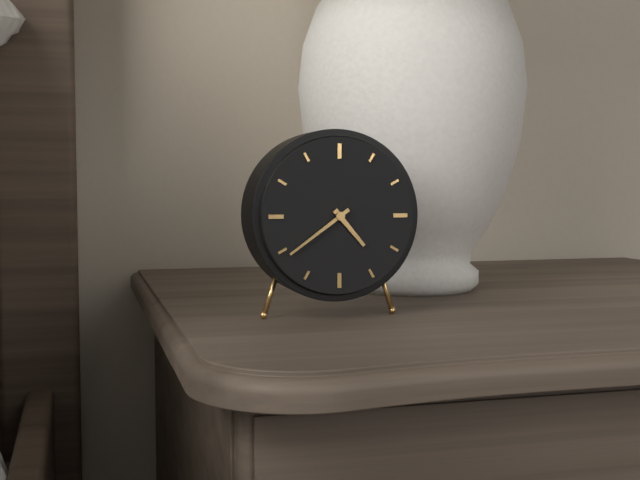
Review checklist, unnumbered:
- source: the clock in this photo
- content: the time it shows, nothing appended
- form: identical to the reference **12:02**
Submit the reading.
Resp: **4:39**
